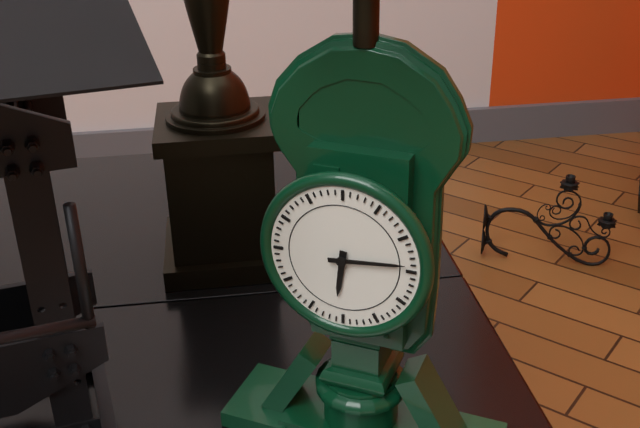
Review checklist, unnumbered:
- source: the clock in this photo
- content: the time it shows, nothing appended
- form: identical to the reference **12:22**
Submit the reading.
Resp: **6:14**
